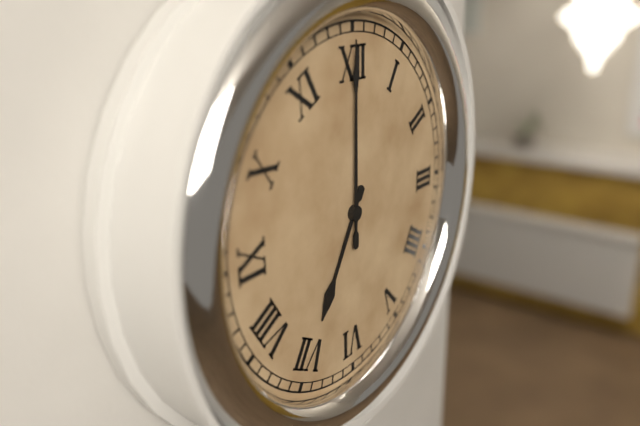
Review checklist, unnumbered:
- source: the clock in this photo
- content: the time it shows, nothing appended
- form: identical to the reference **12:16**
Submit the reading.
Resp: **7:00**
